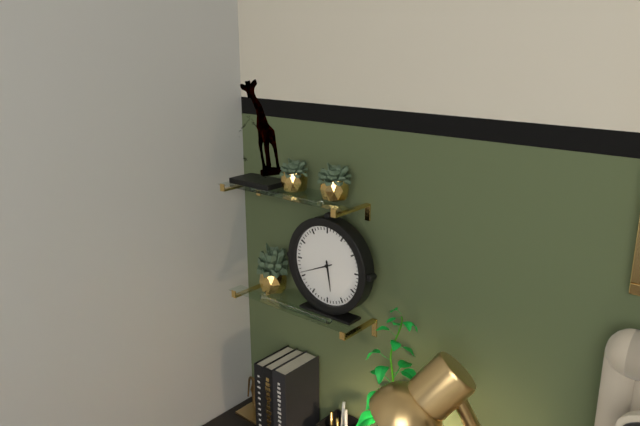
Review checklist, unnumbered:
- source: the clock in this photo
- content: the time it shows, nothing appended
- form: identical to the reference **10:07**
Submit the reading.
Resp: **5:41**
